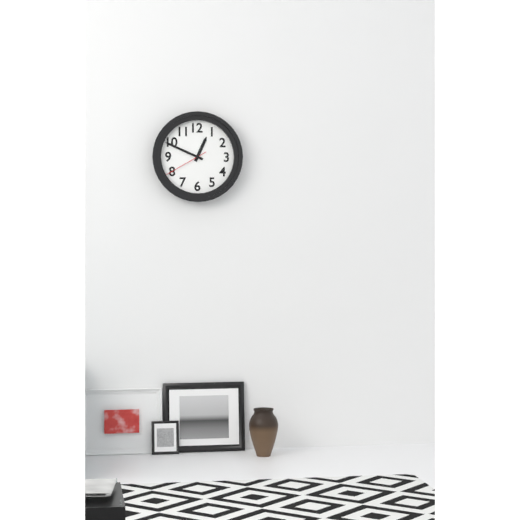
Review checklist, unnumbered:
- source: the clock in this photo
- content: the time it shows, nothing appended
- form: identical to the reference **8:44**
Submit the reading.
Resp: **12:49**
